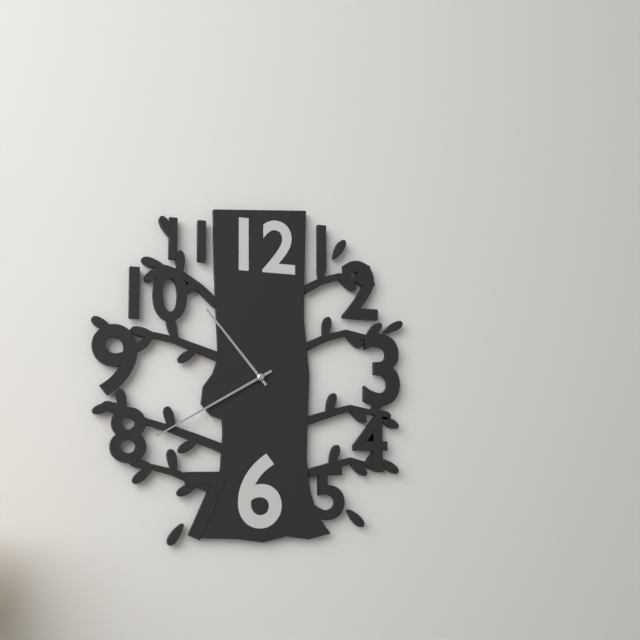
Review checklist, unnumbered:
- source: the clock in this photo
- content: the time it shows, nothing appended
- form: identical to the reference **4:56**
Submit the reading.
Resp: **10:40**
